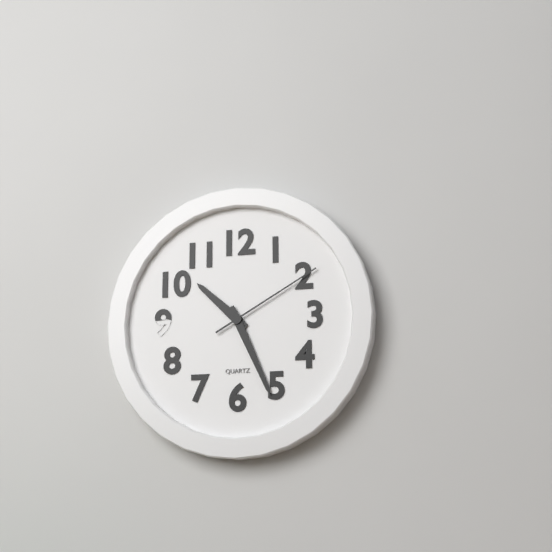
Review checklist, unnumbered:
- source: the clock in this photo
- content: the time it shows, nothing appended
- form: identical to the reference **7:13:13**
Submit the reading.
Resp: **10:26:10**
